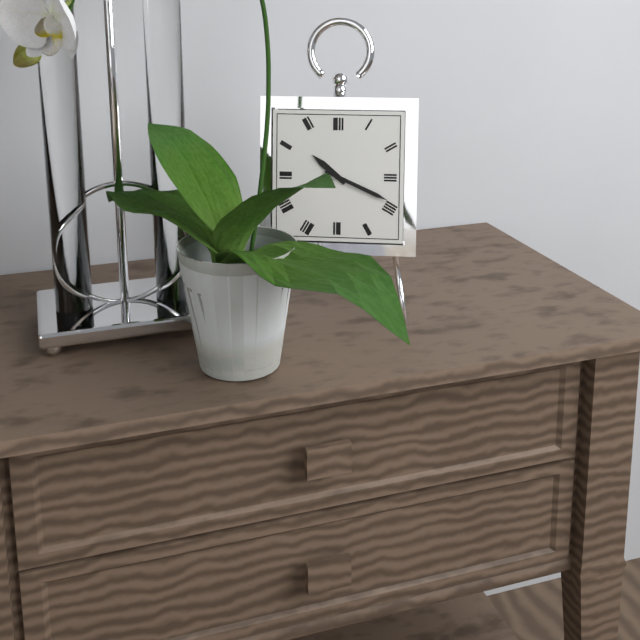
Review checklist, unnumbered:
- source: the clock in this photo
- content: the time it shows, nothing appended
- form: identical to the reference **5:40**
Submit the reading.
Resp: **10:19**
